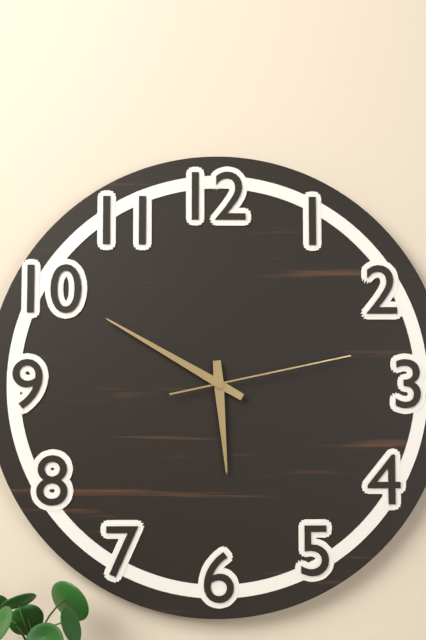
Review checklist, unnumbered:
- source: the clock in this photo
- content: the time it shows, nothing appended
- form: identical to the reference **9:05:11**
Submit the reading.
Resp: **5:50:13**
